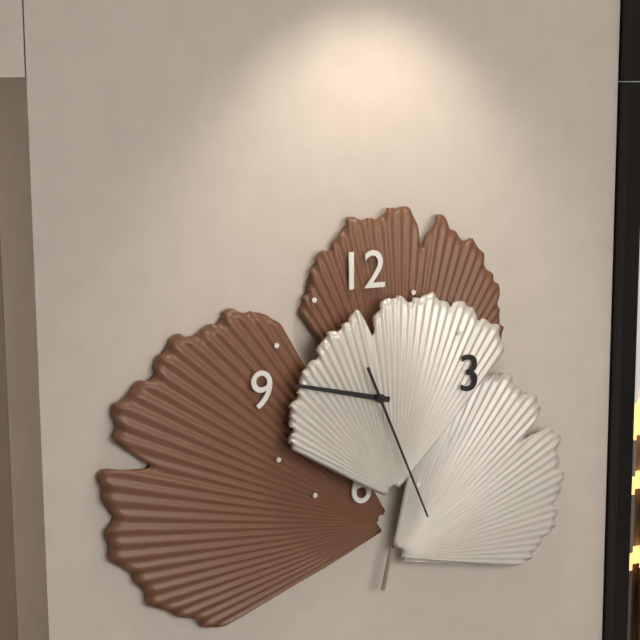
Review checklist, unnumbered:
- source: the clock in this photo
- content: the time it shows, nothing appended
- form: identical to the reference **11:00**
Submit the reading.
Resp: **9:26**
